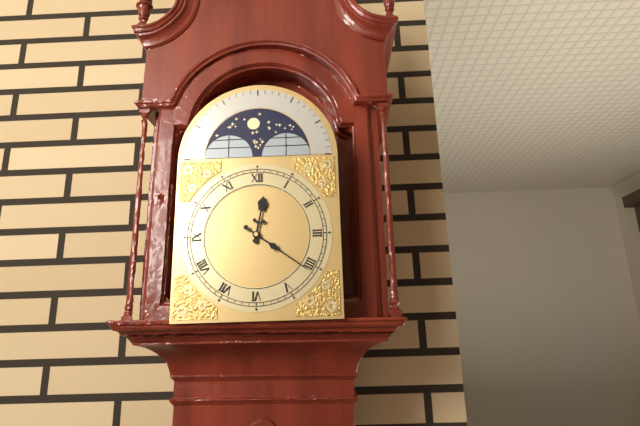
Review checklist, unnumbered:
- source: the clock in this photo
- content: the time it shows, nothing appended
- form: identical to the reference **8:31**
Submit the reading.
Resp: **12:21**
